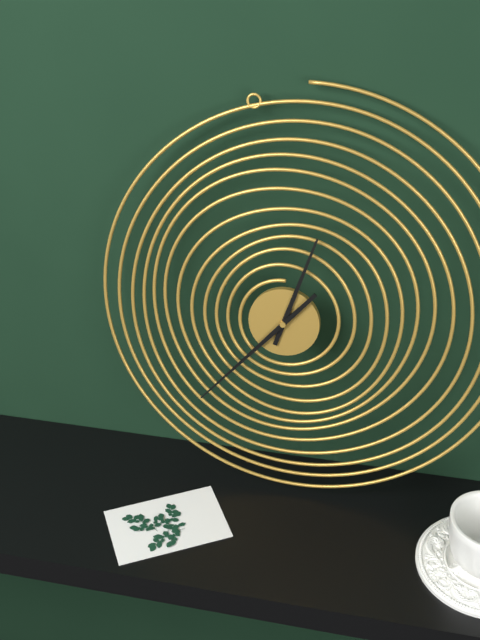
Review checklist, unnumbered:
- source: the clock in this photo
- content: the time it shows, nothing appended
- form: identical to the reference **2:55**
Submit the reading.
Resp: **12:37**
